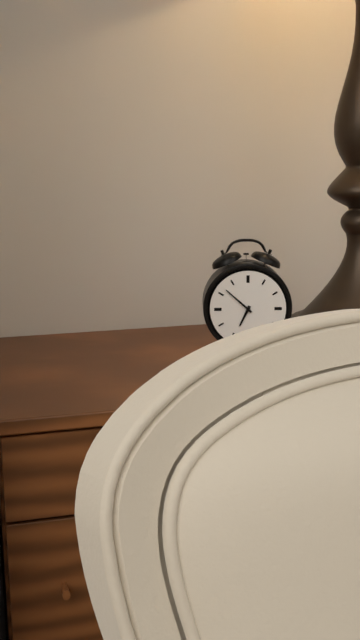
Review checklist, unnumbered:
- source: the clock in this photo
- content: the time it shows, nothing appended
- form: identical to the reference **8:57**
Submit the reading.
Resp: **6:52**
